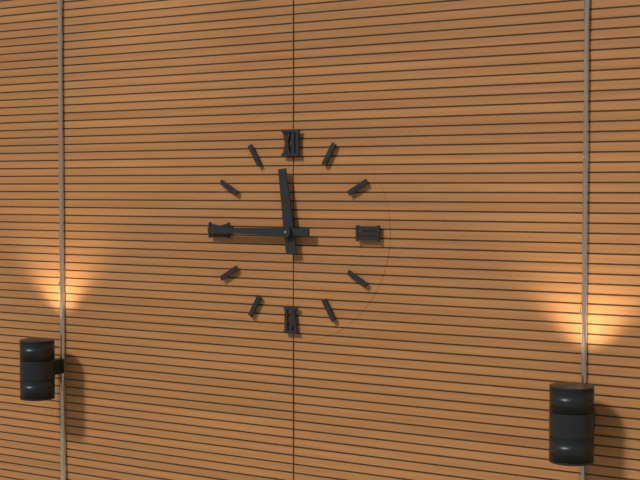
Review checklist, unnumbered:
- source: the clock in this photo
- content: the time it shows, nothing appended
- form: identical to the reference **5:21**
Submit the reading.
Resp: **11:45**
